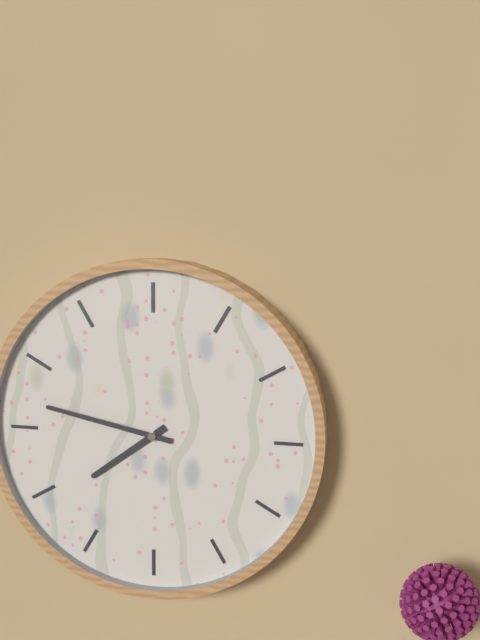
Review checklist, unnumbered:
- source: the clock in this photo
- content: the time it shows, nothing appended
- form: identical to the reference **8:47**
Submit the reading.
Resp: **7:47**
